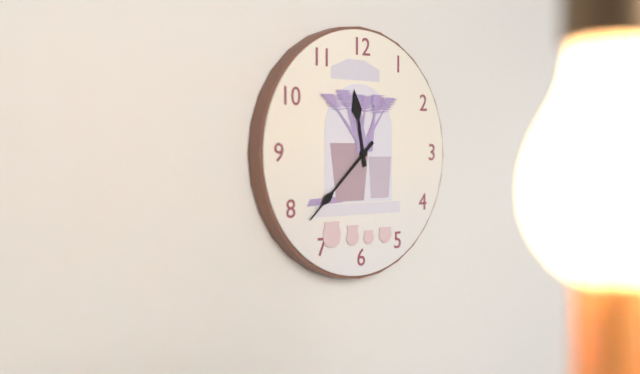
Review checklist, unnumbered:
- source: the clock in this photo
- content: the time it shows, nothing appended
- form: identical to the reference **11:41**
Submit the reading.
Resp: **11:38**
